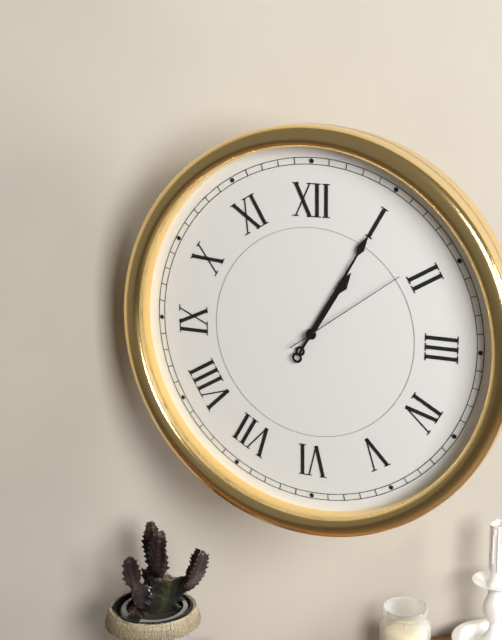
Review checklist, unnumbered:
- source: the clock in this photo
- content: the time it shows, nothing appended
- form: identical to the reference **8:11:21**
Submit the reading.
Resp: **1:05:09**
